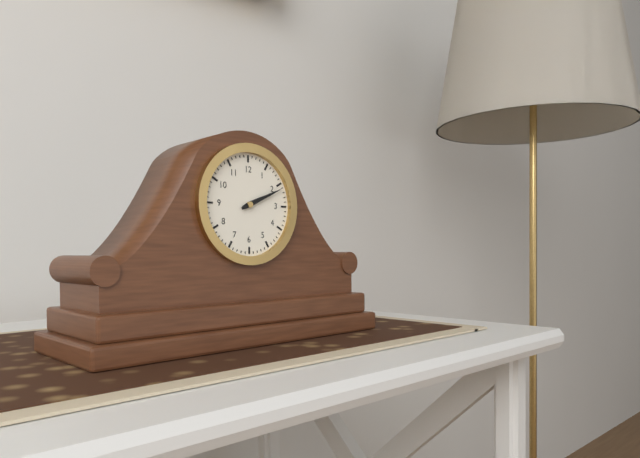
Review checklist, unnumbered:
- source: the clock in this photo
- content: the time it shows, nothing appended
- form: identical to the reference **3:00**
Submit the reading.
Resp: **2:11**
